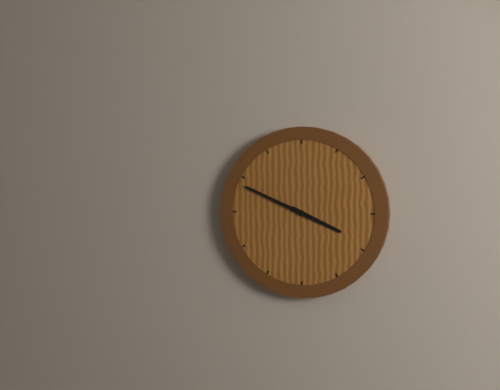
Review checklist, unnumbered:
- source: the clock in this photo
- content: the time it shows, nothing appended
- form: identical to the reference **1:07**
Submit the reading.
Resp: **3:49**
